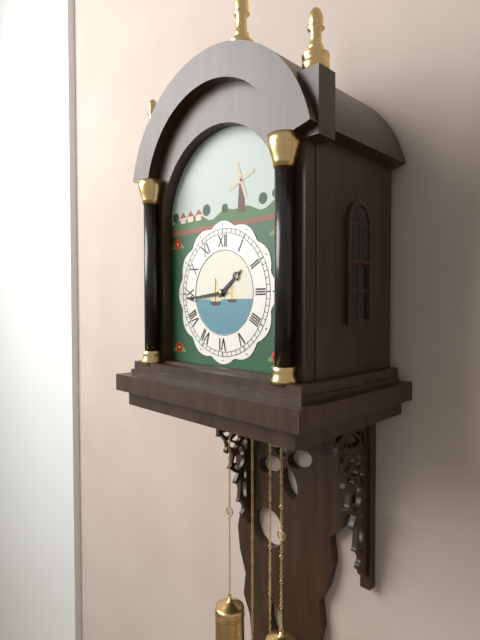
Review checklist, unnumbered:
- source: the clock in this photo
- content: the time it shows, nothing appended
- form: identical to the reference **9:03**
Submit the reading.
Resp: **1:44**
